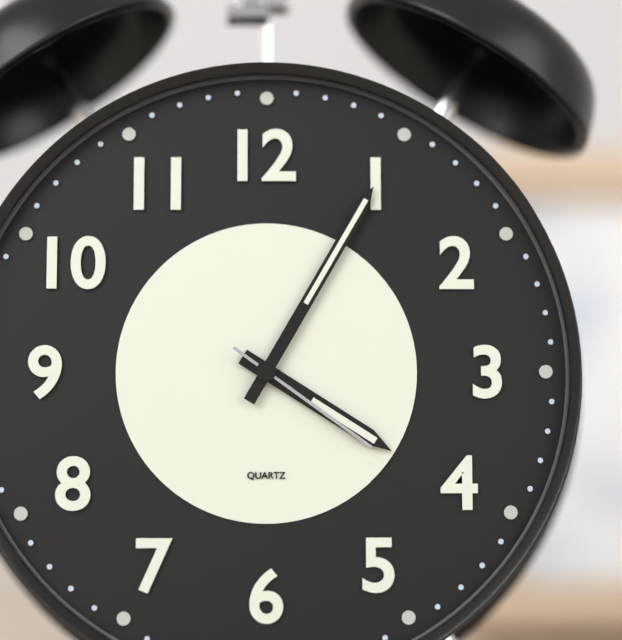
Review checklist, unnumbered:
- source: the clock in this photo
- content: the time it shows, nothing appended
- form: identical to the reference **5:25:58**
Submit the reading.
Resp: **4:05:21**
